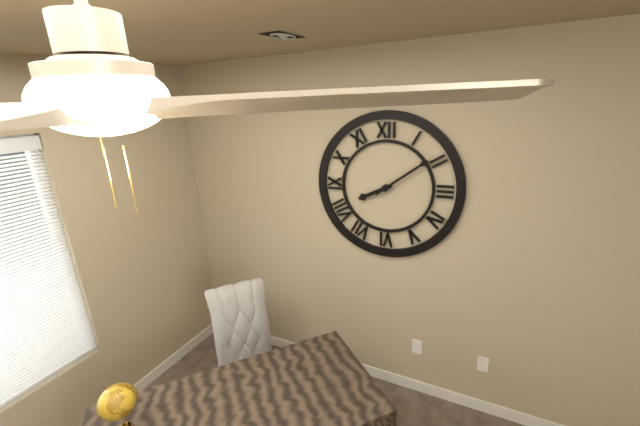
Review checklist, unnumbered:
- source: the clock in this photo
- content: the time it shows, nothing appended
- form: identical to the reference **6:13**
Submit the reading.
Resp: **8:09**
